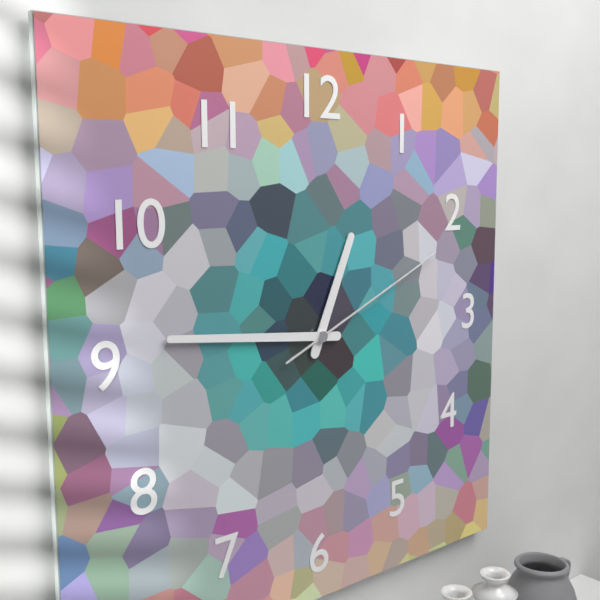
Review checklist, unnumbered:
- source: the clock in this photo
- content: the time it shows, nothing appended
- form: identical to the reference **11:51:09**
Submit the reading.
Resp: **12:46:11**
